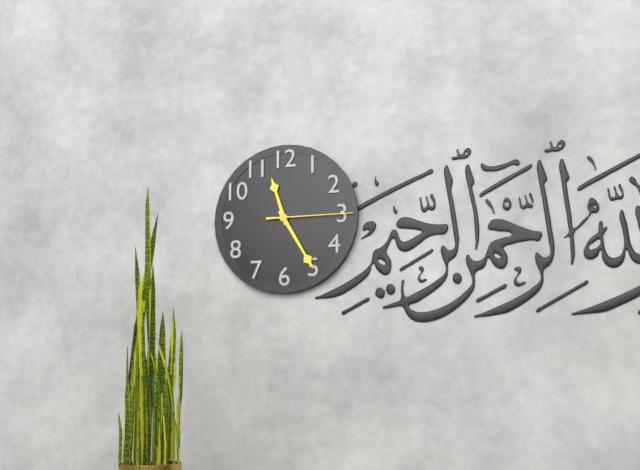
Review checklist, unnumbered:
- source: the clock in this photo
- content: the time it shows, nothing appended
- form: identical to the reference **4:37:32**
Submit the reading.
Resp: **11:25:15**
